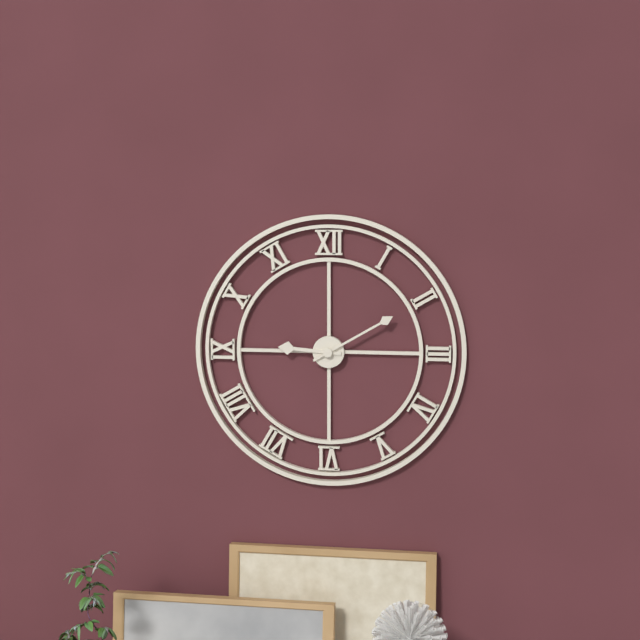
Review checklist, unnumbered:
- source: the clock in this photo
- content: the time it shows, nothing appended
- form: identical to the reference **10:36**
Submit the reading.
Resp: **9:10**
